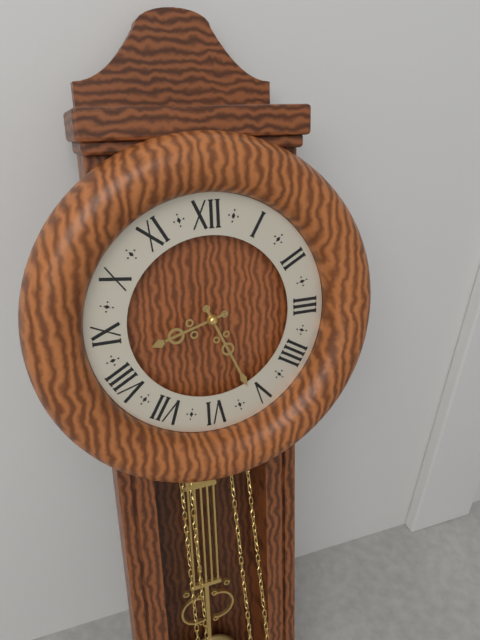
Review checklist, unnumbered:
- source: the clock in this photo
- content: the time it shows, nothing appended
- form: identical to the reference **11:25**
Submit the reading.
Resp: **8:26**
